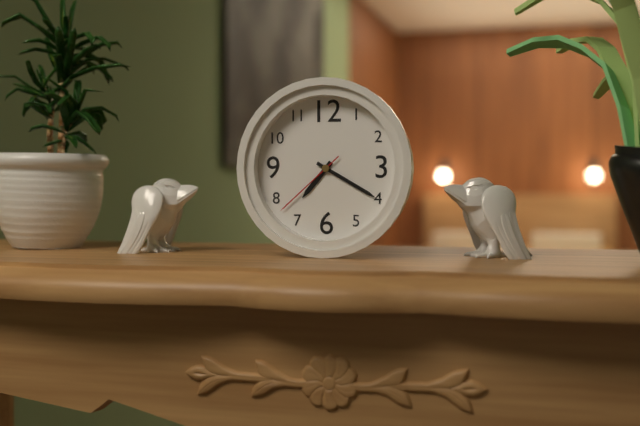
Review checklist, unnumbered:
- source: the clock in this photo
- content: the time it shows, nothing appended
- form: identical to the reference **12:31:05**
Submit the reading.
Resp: **7:20:38**
